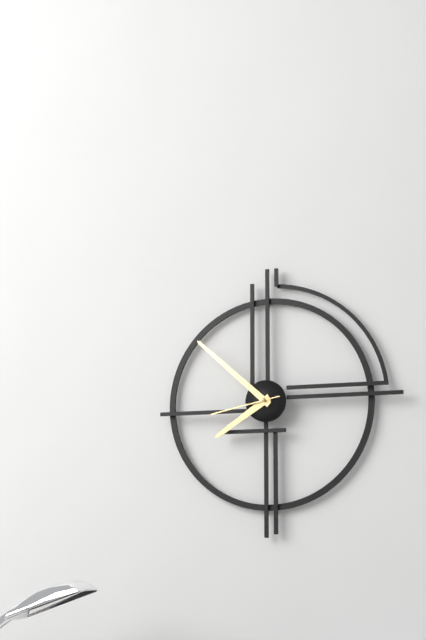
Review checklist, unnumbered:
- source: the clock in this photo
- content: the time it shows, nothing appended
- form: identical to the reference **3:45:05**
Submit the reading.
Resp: **7:52:43**
